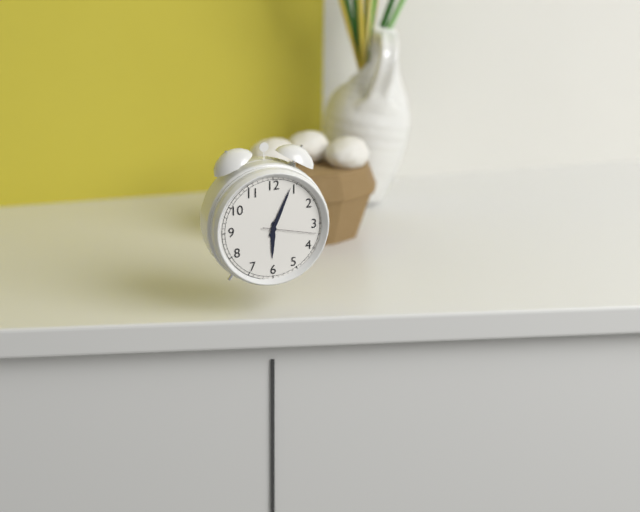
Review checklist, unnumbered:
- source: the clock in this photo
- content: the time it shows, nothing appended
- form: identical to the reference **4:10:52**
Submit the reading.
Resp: **6:04:17**
